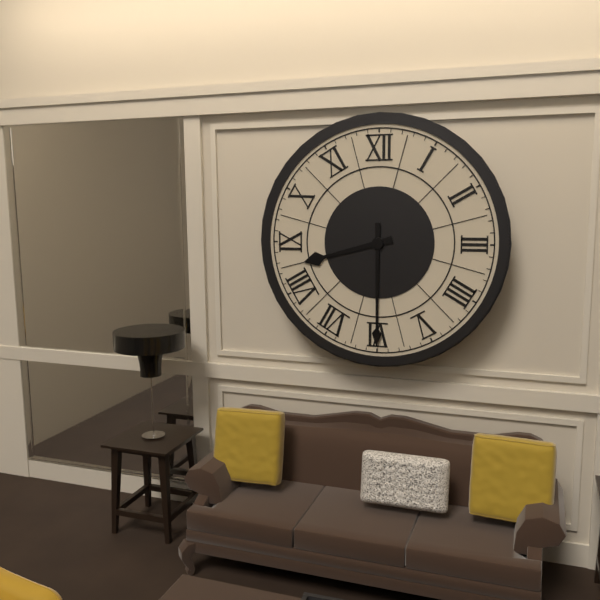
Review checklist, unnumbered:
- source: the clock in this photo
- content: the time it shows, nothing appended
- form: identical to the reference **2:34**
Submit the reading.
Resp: **8:30**
